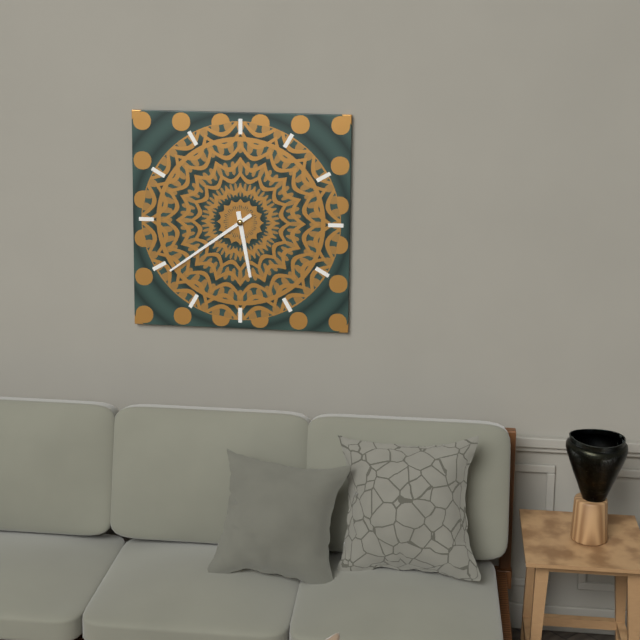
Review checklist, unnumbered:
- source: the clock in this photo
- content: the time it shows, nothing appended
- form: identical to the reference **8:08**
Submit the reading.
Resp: **5:39**
